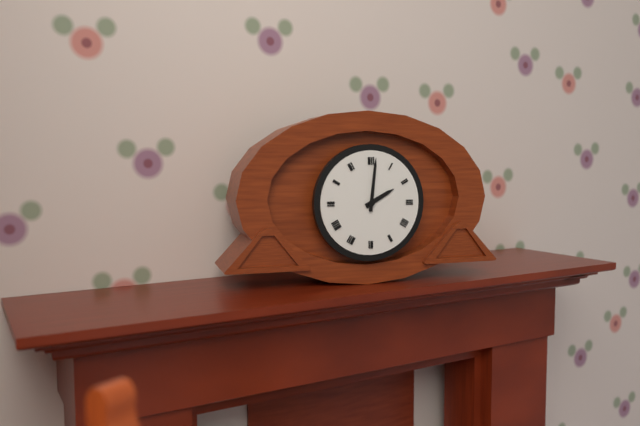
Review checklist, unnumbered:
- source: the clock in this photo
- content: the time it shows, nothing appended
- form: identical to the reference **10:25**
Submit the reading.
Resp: **2:01**
